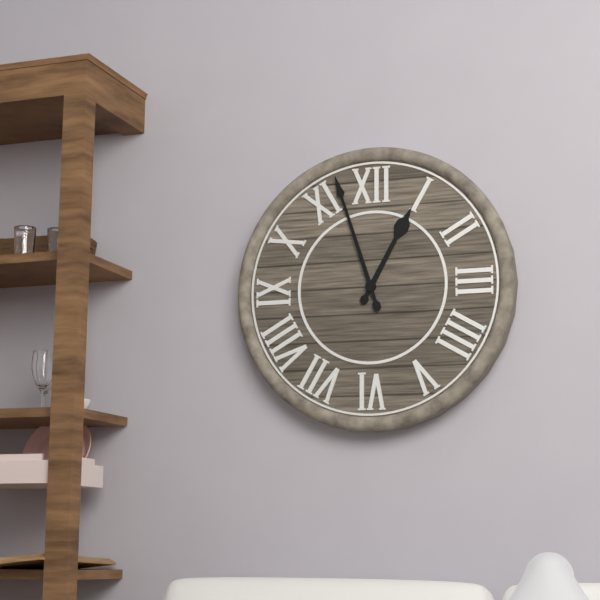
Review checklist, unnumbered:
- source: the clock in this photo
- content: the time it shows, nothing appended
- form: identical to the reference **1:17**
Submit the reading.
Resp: **12:57**
